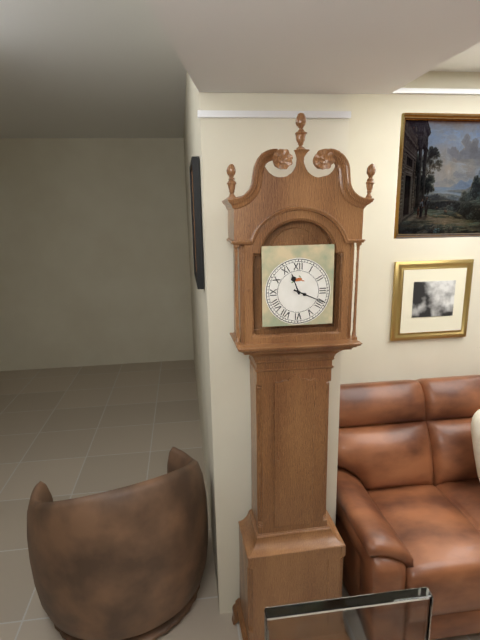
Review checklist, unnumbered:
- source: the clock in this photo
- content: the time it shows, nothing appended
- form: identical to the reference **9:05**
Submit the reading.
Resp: **11:19**
